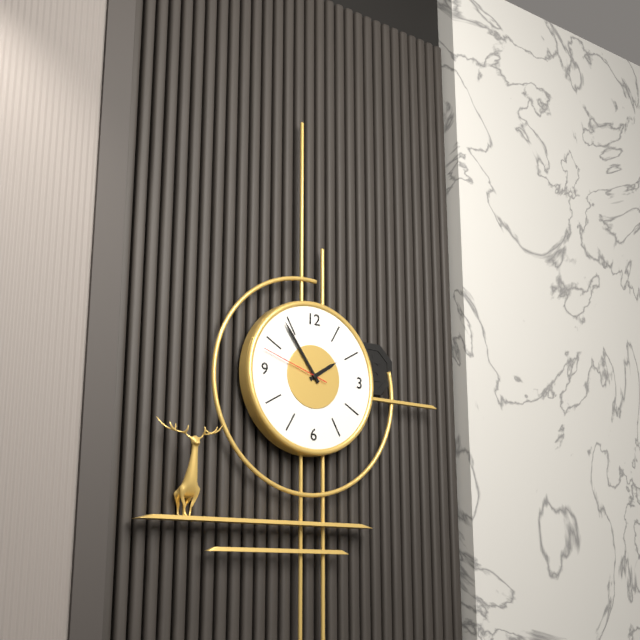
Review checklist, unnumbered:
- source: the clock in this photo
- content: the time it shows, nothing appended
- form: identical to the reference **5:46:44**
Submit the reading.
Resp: **1:54:48**
